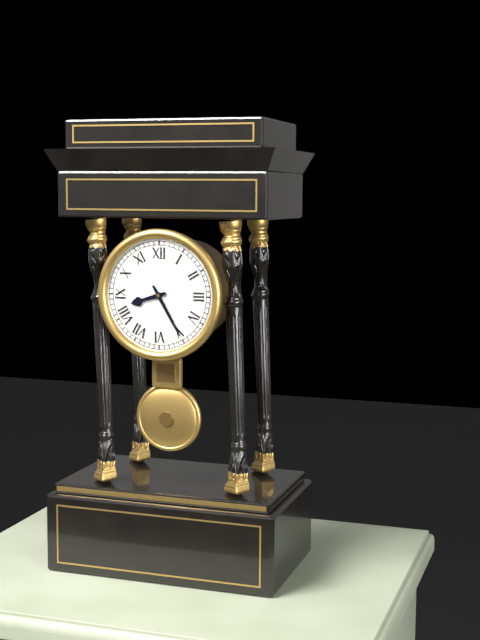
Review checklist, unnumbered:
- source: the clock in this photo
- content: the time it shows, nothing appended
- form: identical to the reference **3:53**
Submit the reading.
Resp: **8:25**
